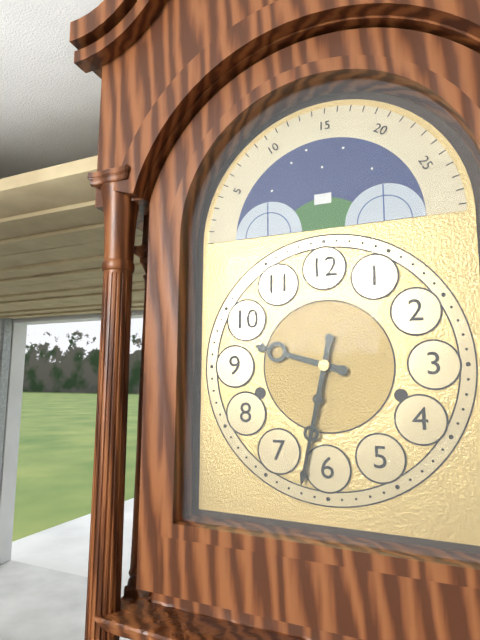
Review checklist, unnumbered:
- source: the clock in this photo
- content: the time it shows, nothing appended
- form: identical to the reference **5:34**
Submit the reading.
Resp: **9:32**
